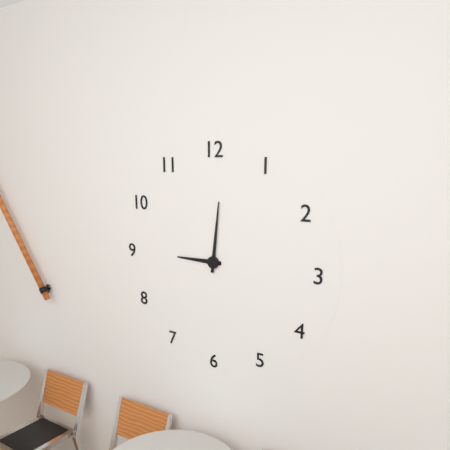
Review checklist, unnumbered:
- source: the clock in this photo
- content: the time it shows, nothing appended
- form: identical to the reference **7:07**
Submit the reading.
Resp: **9:01**
